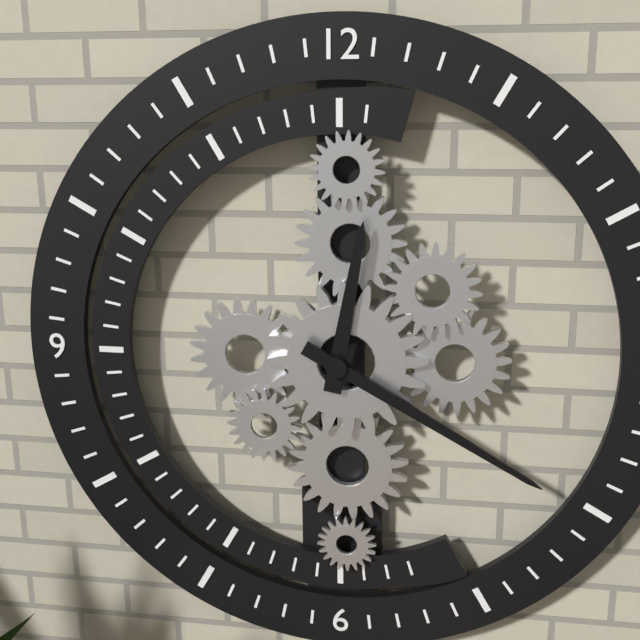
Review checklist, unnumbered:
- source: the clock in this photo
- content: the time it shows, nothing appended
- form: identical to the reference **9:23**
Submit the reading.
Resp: **12:20**
